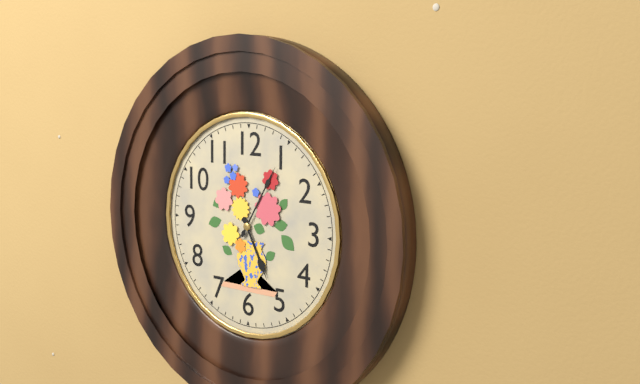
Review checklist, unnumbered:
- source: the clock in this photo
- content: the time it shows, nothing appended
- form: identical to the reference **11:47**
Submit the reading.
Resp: **5:05**
